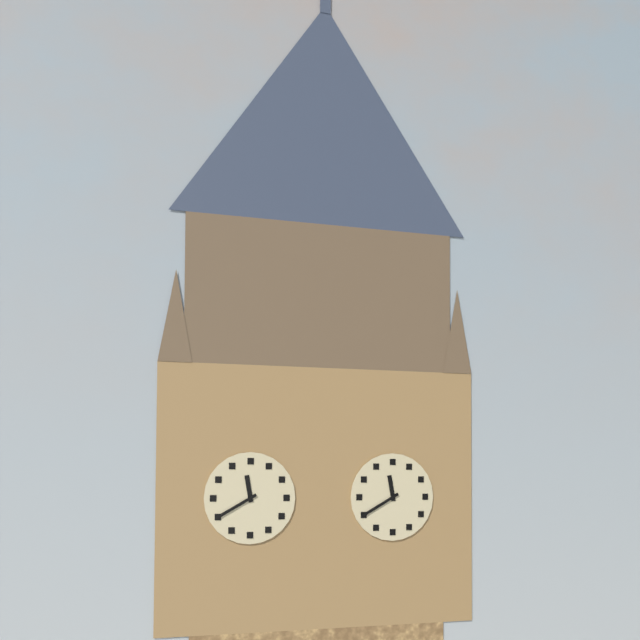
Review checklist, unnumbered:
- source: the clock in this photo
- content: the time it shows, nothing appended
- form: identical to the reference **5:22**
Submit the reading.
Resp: **11:40**
